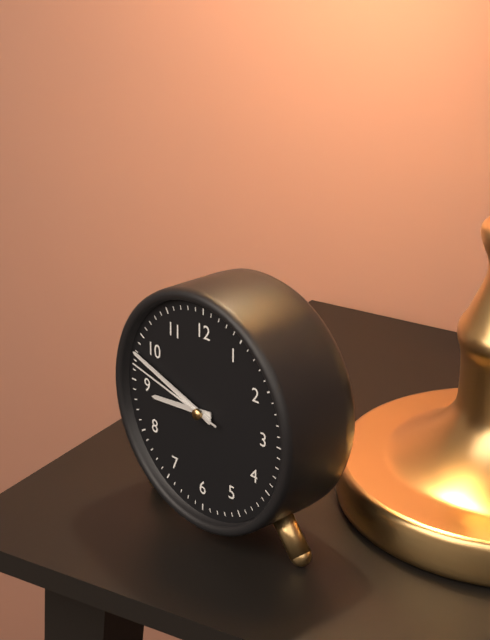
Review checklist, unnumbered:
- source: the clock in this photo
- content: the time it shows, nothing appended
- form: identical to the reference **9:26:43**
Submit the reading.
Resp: **8:48:47**
